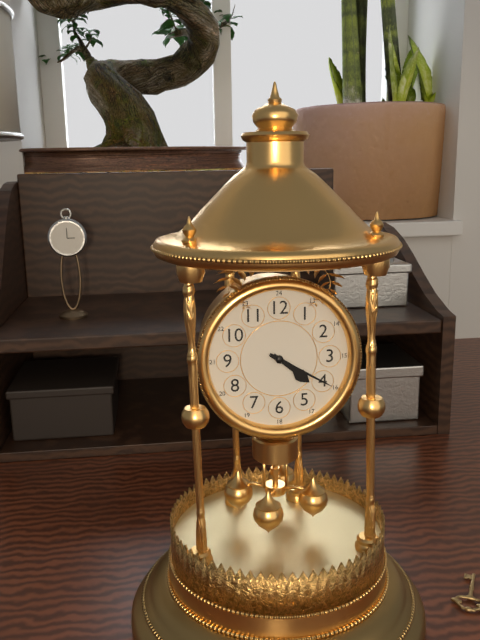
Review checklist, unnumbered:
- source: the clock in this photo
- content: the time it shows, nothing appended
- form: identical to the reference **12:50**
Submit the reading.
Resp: **4:20**
